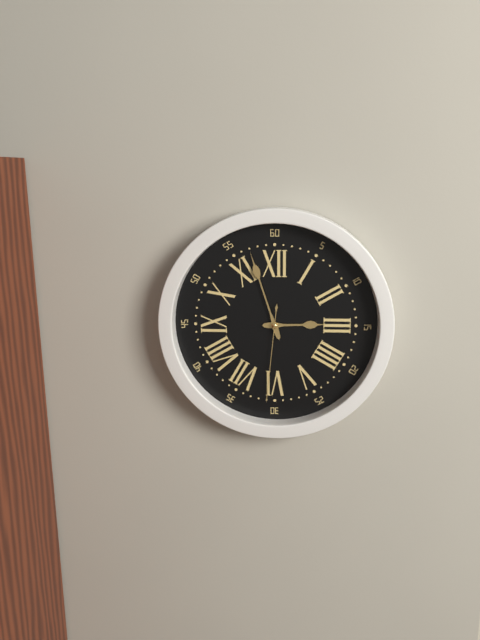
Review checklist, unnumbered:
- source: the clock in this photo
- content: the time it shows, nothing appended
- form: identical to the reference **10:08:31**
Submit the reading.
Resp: **2:57:31**
